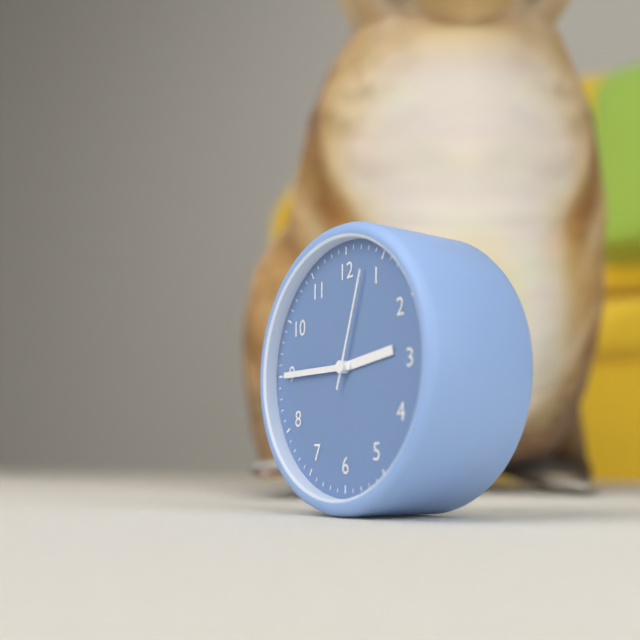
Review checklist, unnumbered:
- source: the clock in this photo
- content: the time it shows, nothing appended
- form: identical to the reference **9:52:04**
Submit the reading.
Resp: **2:45:03**
